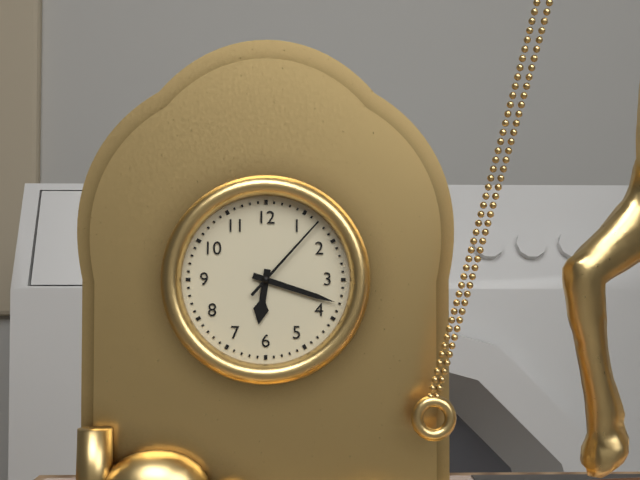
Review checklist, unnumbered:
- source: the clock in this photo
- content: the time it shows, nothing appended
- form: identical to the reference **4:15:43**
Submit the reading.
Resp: **6:18:07**
